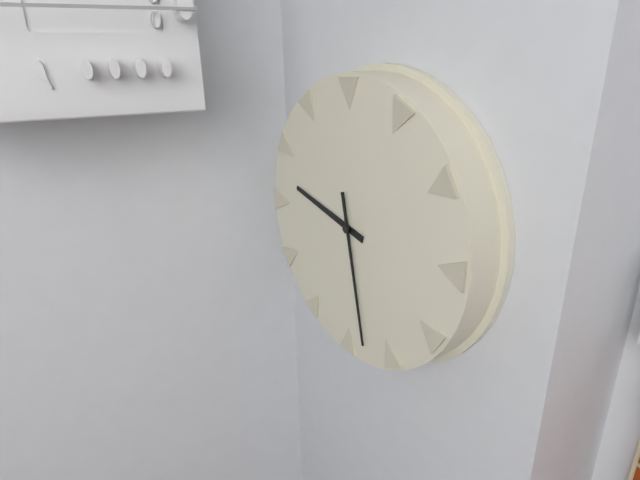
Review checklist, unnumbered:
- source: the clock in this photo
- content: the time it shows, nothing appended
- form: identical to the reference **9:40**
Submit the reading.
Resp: **9:28**
